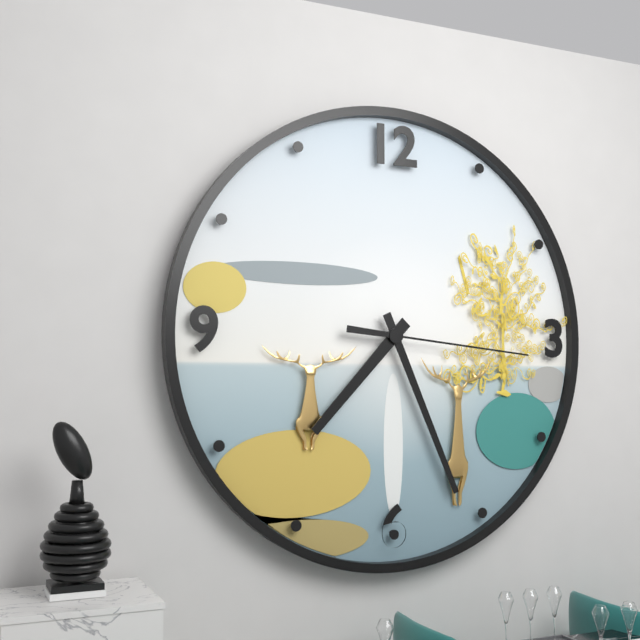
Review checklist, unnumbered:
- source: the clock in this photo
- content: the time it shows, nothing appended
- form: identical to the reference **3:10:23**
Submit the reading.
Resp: **7:26:16**
